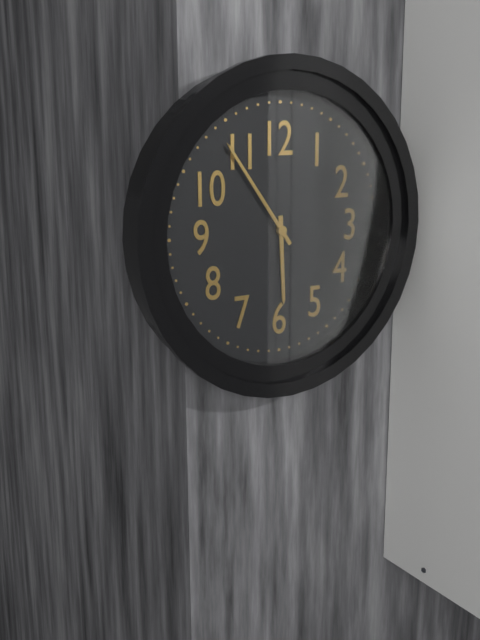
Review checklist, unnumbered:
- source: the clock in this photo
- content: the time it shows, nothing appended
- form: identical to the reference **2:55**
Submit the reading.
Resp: **5:54**
